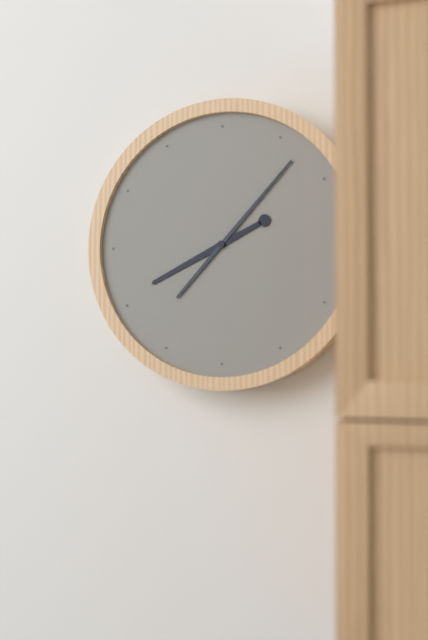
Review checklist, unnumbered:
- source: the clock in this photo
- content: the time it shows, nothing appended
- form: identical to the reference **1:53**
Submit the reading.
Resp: **8:07**
